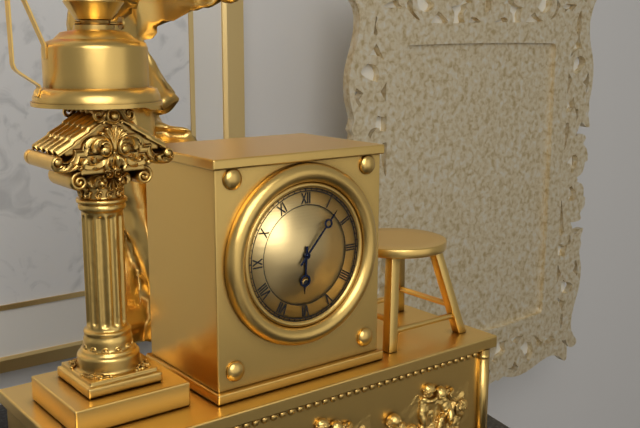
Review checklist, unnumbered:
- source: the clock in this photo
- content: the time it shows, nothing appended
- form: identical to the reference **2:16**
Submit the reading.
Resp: **6:07**
